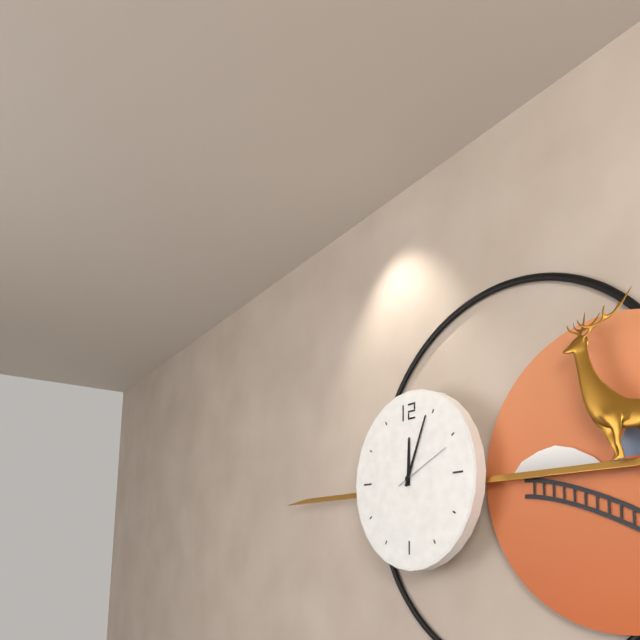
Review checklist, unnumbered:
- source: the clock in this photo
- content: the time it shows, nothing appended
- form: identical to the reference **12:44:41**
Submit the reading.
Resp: **12:04:11**
